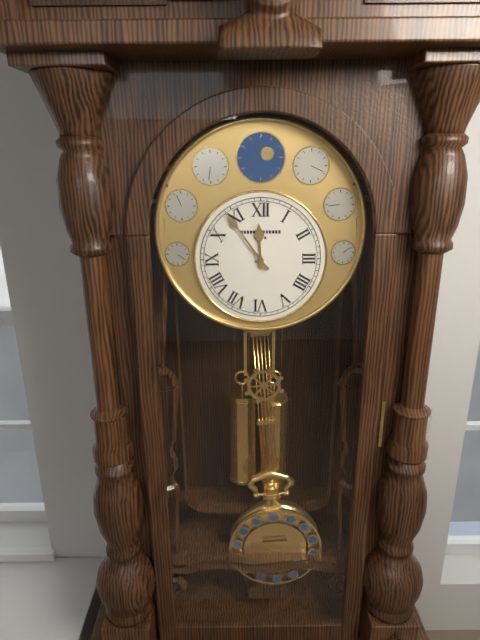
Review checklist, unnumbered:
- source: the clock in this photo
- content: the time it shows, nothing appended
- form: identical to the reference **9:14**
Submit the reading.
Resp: **11:54**
